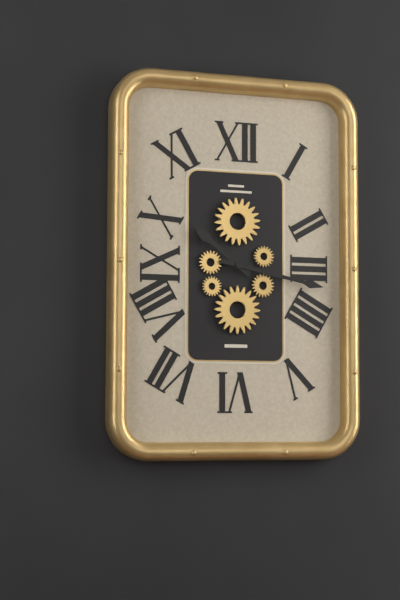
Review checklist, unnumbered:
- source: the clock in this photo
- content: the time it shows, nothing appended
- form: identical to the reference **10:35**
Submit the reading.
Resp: **10:17**
